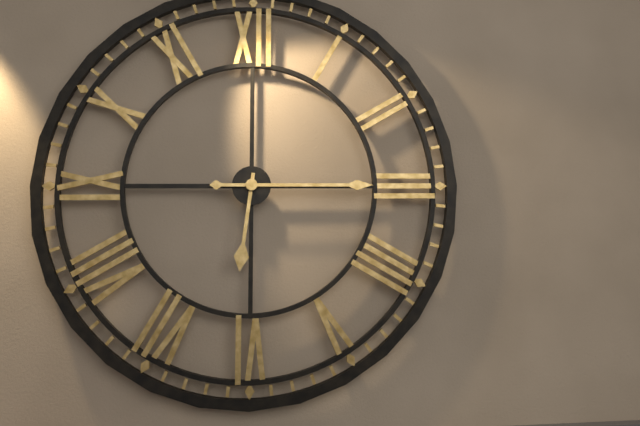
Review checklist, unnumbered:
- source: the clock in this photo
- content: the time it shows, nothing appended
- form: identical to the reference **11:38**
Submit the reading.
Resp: **6:15**
